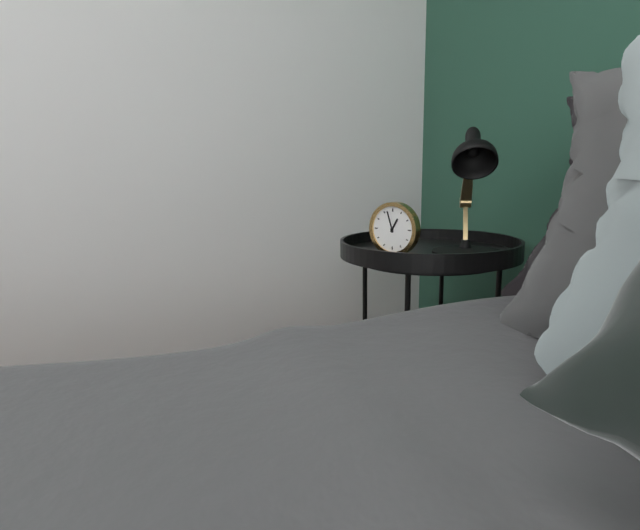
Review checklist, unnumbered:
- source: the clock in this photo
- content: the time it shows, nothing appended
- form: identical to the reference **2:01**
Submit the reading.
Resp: **12:57**
